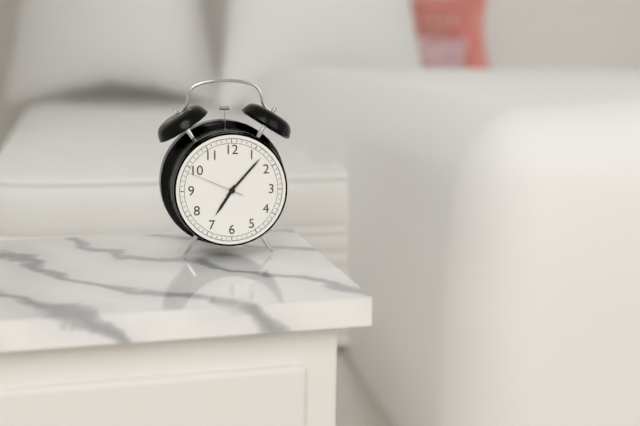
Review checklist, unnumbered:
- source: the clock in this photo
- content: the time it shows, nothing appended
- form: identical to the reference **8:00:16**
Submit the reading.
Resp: **7:07:49**
